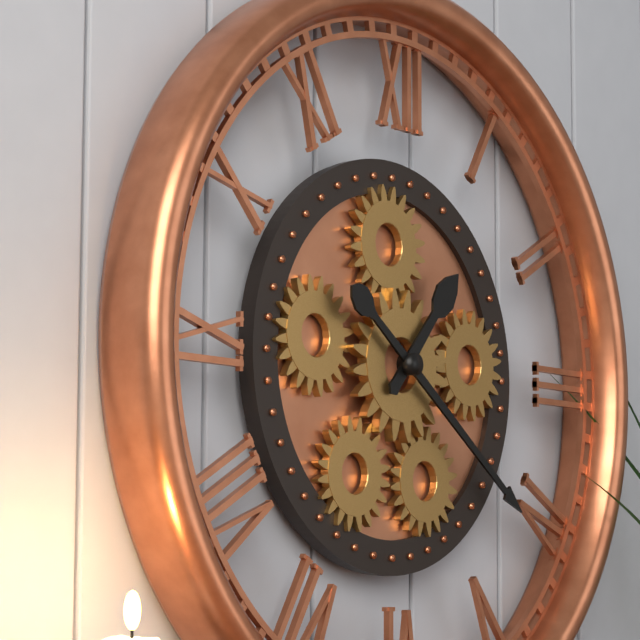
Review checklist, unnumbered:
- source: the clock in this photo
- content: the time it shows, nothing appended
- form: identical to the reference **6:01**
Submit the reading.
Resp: **1:21**
